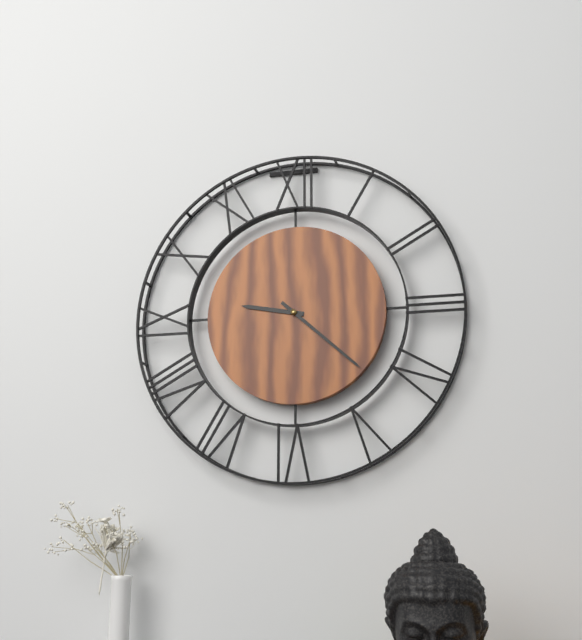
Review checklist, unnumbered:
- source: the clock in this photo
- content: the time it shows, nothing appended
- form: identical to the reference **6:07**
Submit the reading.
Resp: **9:22**
